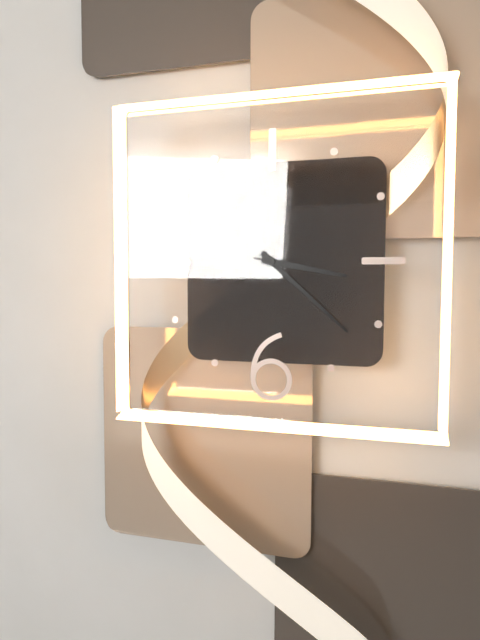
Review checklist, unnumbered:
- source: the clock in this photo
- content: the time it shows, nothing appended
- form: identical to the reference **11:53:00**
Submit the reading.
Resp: **3:22:17**
